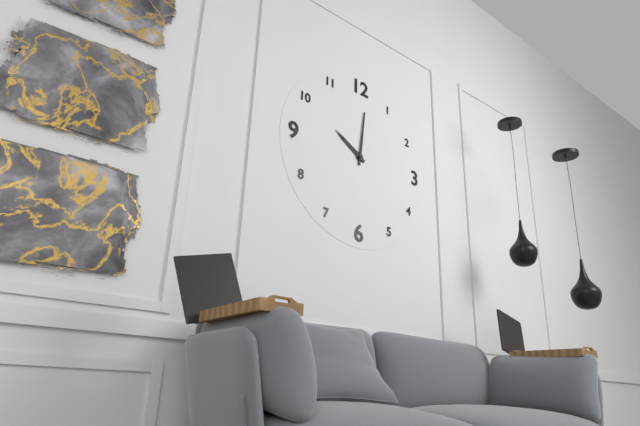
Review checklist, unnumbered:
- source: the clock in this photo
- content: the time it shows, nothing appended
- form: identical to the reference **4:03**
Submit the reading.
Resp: **10:01**
